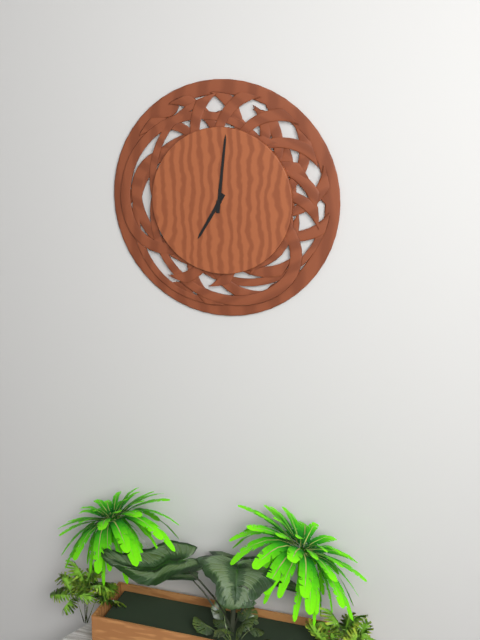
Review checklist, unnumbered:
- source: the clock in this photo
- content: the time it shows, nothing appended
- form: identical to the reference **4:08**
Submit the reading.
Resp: **7:01**
